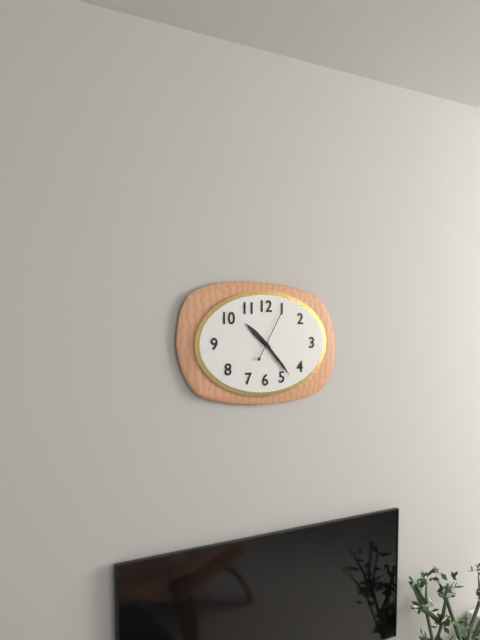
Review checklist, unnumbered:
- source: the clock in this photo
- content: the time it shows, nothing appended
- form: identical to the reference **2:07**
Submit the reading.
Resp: **10:23**
